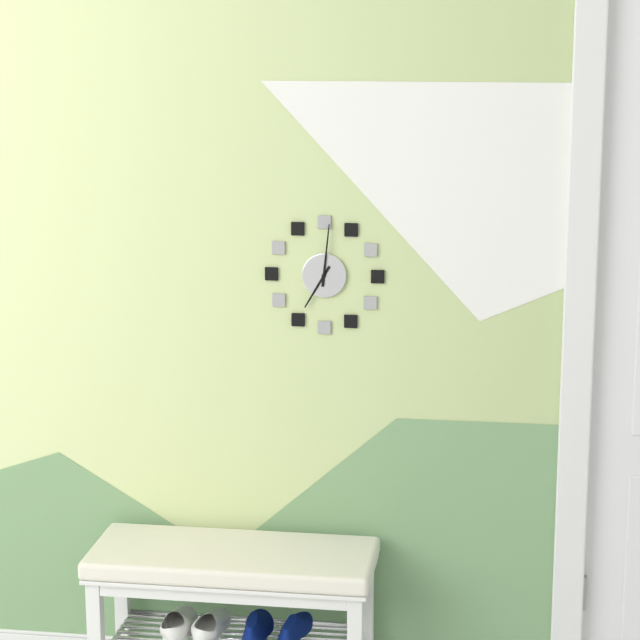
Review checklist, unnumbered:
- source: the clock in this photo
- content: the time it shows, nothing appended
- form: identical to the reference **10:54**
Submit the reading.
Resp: **7:01**
